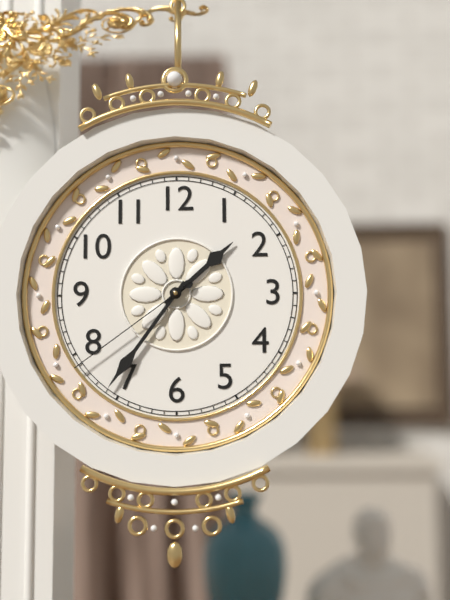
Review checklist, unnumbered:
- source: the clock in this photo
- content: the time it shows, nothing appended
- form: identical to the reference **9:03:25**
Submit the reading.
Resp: **1:36:39**
